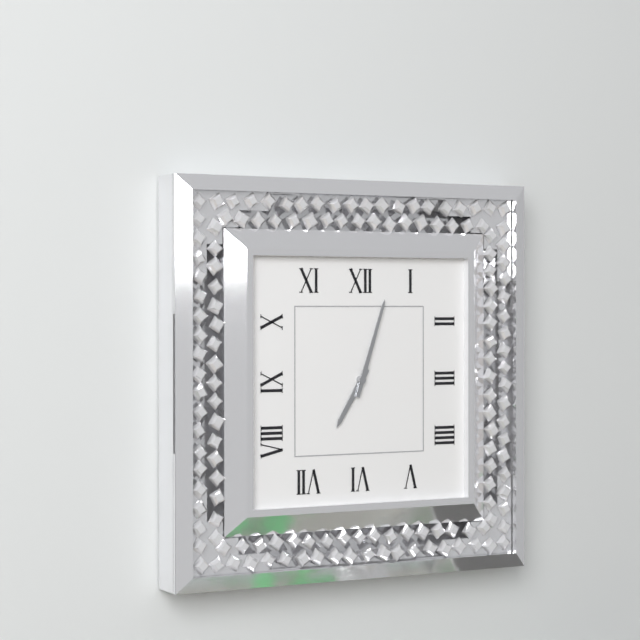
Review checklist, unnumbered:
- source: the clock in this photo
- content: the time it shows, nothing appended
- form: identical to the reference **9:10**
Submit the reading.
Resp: **7:03**
